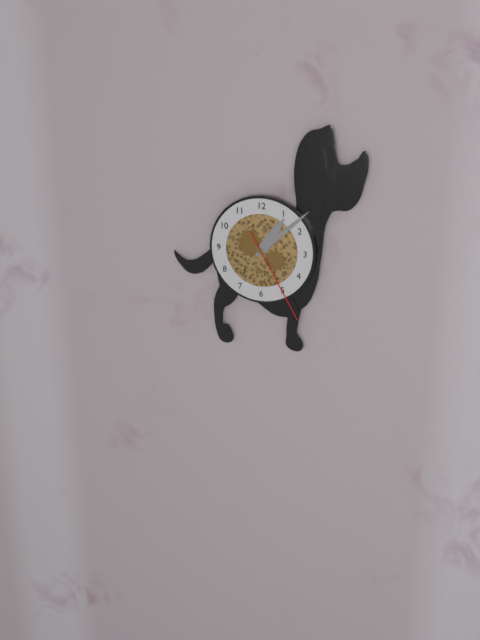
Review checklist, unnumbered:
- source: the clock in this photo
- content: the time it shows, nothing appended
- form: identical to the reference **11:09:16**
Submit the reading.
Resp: **1:08:25**
